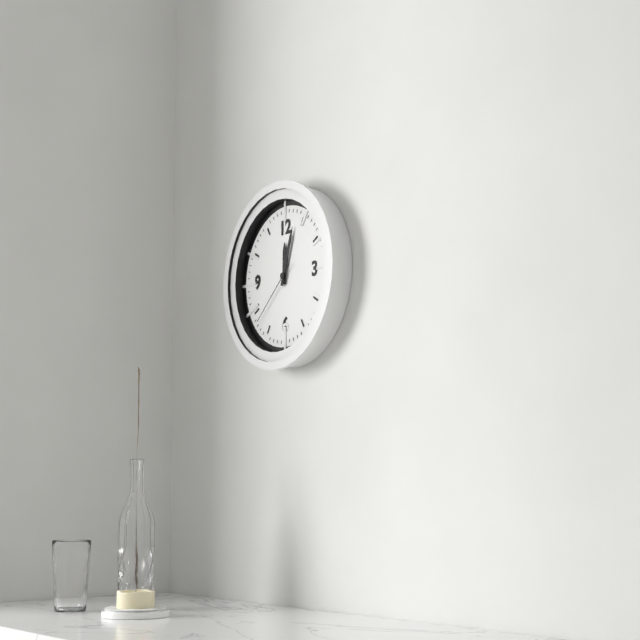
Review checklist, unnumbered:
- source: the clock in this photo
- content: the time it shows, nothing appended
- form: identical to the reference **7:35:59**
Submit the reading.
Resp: **12:03:38**
